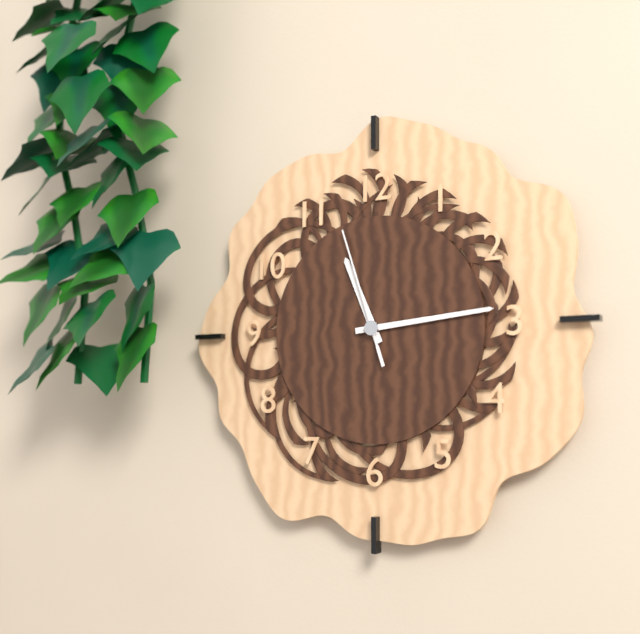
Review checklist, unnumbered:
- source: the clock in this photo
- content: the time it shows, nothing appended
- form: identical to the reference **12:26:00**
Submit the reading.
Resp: **11:14:57**
